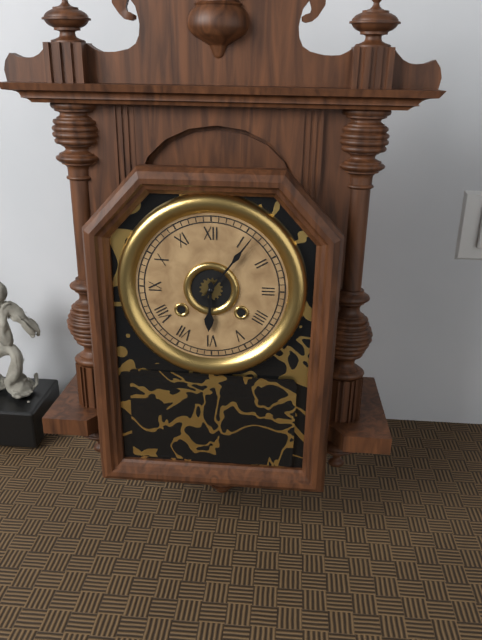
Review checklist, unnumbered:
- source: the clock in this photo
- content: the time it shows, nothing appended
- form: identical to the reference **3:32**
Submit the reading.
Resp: **6:06**
